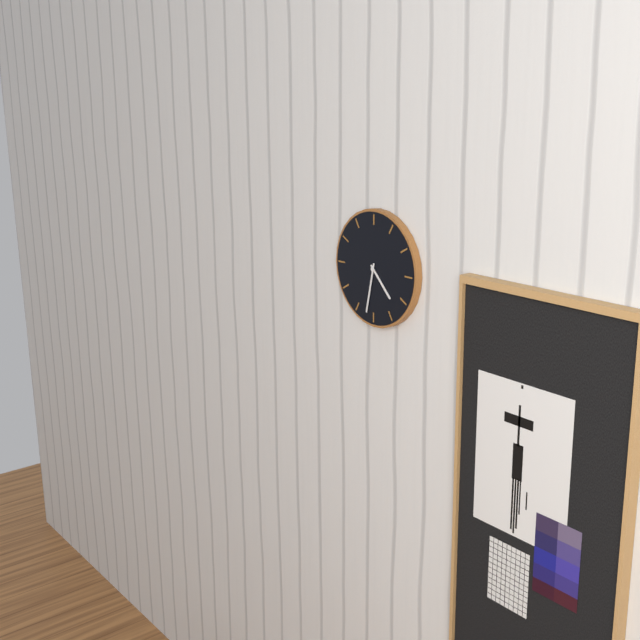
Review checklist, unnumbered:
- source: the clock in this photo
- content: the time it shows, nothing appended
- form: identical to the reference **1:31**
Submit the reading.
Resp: **4:32**
